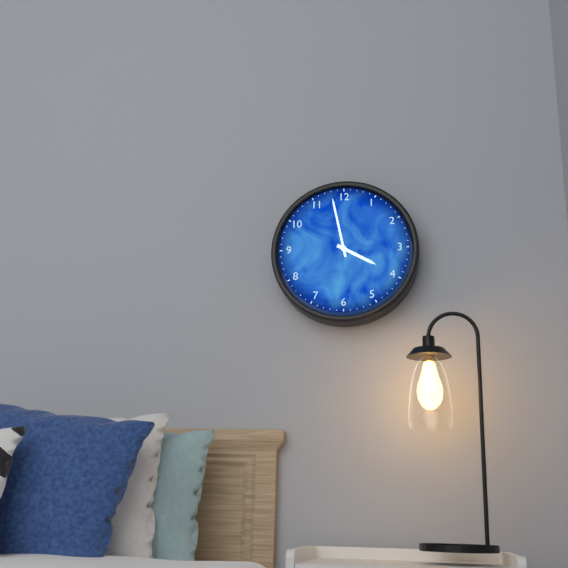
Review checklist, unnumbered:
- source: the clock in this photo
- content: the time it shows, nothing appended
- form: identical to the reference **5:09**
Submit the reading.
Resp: **3:58**
